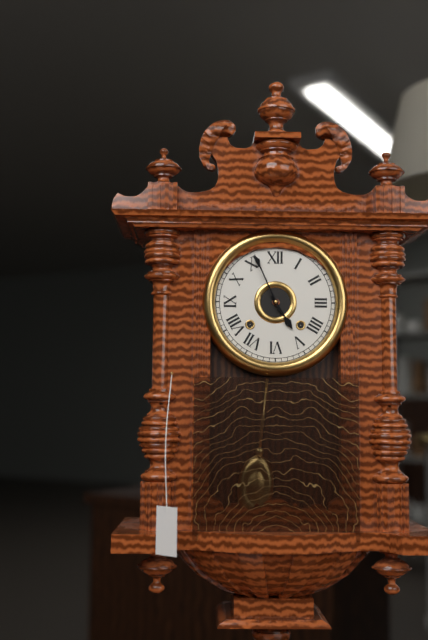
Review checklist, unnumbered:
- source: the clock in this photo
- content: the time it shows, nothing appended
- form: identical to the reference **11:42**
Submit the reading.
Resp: **4:56**
